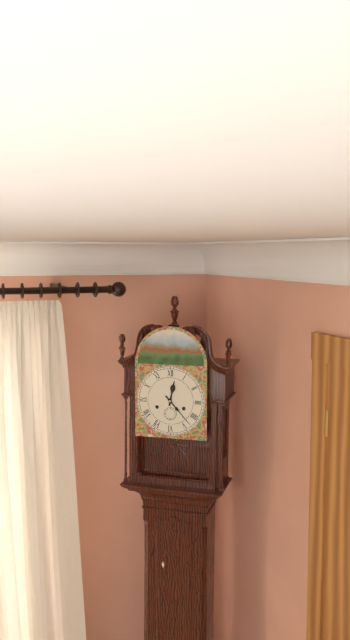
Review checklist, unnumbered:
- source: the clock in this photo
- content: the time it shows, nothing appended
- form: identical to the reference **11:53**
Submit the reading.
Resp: **12:23**
